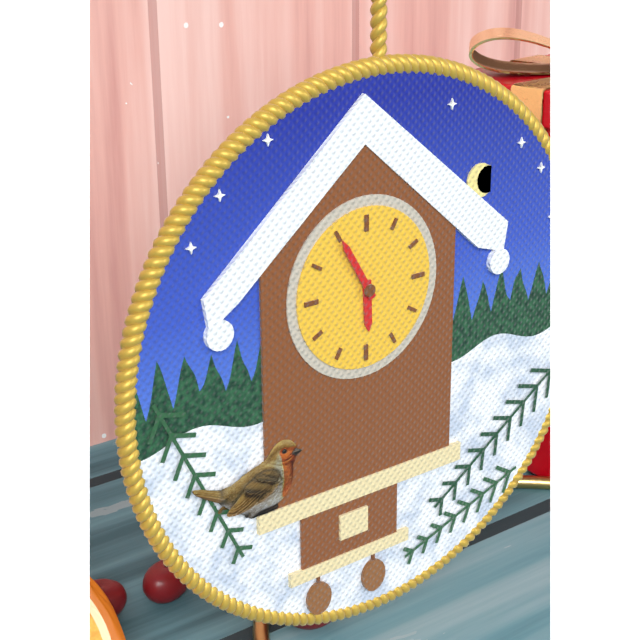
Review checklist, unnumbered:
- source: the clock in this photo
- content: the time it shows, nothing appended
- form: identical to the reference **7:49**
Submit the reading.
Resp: **5:55**
